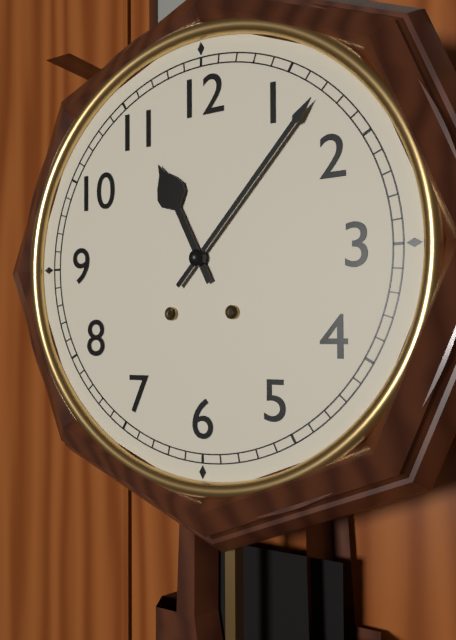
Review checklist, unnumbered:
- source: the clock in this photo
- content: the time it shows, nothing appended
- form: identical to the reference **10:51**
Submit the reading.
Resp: **11:07**
